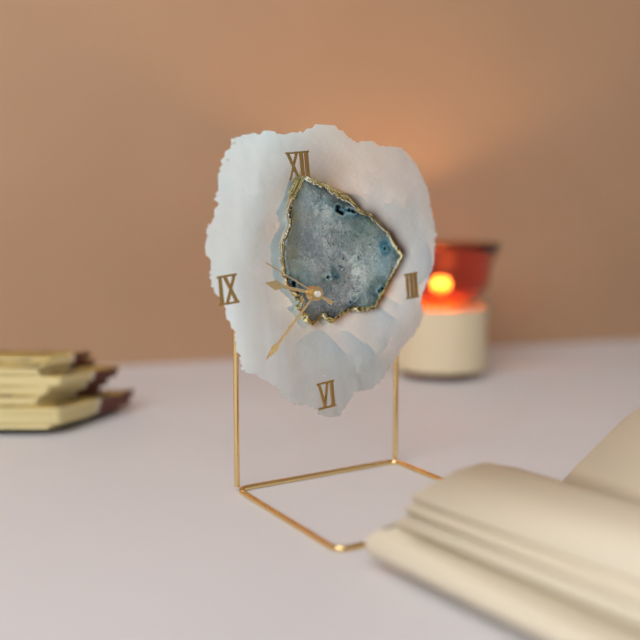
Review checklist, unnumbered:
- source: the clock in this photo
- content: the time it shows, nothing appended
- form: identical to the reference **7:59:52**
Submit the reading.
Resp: **9:38:51**
